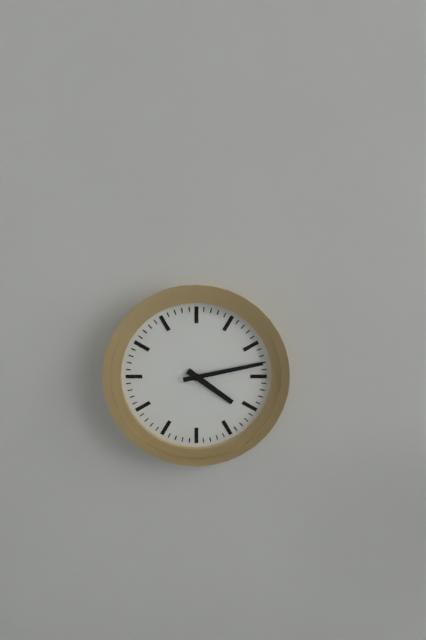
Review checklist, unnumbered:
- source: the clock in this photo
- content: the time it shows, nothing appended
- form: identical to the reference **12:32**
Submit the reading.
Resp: **4:13**
